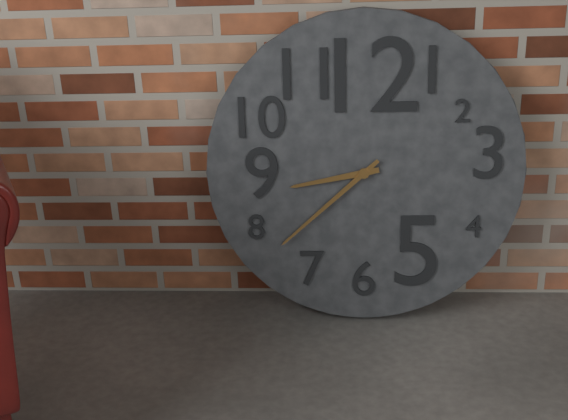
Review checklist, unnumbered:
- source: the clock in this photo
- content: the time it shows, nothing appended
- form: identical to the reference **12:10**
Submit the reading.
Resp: **8:38**
